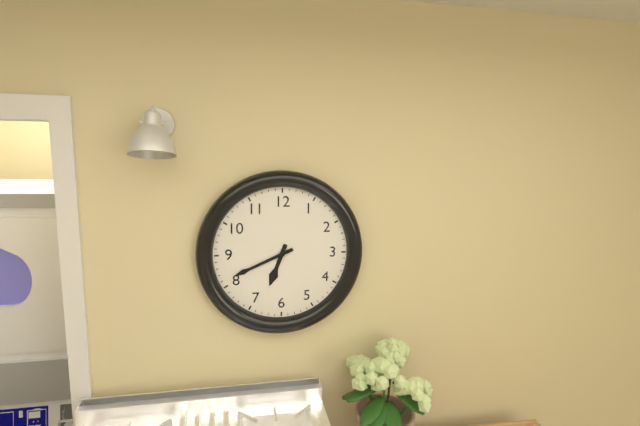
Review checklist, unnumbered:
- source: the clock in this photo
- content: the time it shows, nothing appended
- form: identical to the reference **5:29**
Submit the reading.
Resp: **6:41**
